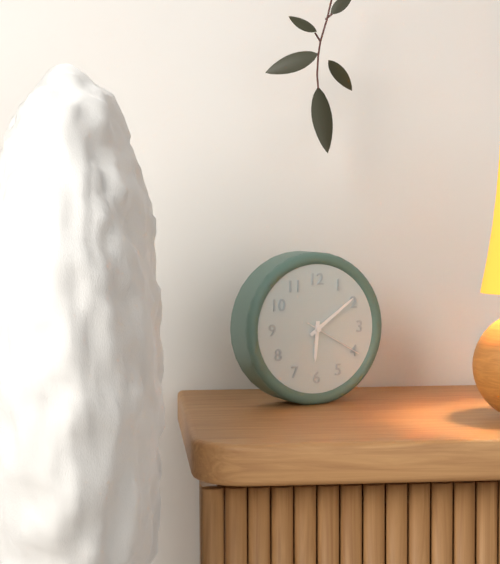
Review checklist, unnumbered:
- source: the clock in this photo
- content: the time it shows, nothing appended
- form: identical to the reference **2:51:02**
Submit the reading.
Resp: **6:09:20**
